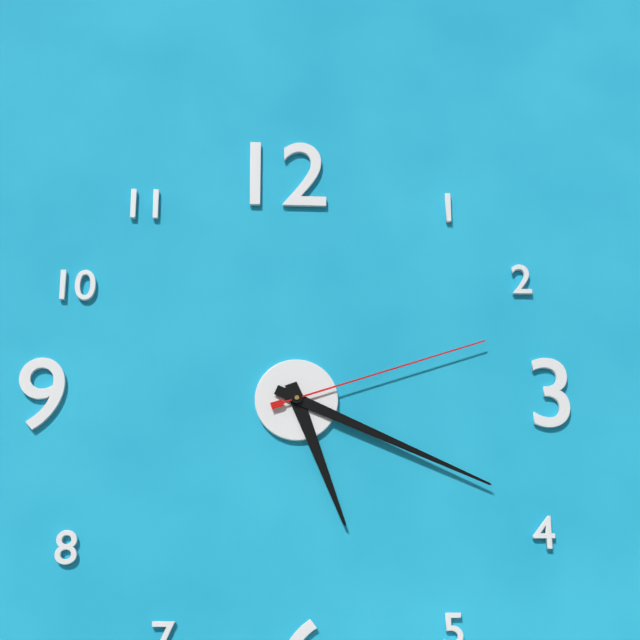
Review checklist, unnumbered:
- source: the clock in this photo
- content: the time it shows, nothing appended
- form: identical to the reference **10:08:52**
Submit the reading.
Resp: **5:19:12**
